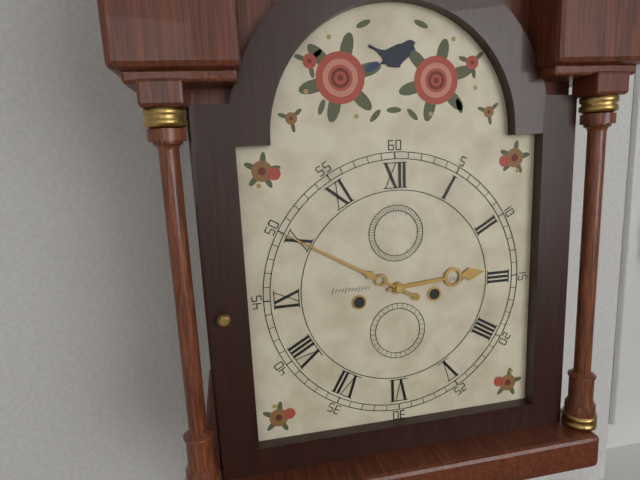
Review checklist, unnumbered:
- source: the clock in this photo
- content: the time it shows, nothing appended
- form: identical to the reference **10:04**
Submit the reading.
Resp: **2:50**
